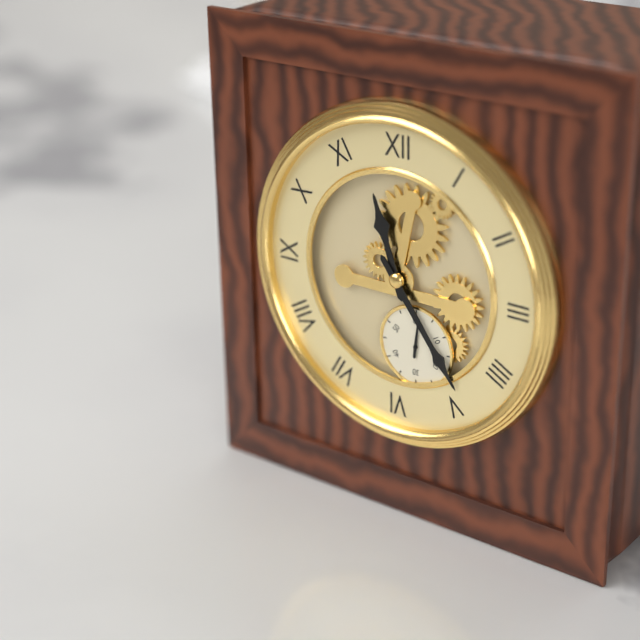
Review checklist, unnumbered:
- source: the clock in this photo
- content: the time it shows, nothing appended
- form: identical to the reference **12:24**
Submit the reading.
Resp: **11:24**
